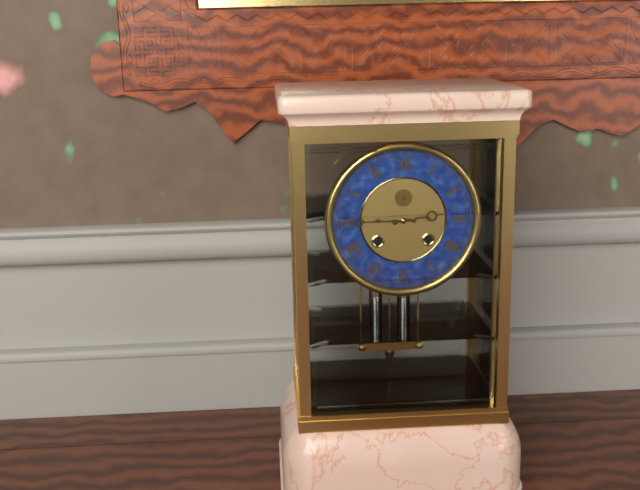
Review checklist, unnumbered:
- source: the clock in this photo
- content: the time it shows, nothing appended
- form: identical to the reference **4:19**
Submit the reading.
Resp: **2:45**
